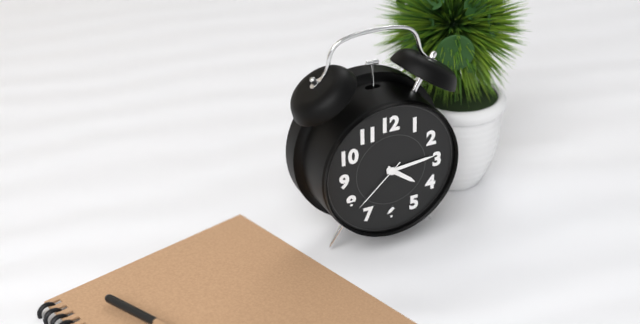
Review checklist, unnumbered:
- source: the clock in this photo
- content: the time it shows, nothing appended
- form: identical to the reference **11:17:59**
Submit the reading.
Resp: **4:14:38**
